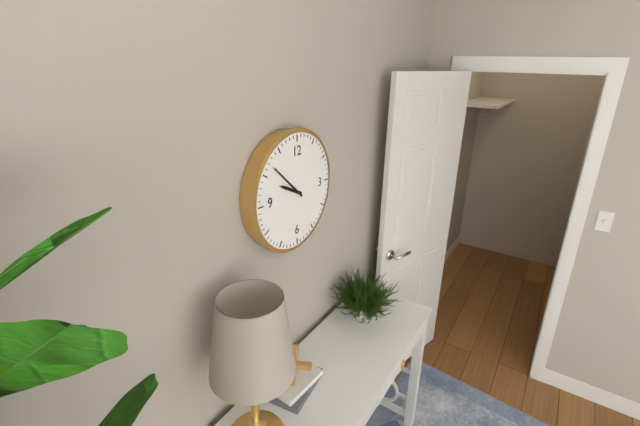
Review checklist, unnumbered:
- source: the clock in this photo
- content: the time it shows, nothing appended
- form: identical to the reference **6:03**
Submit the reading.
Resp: **9:52**
